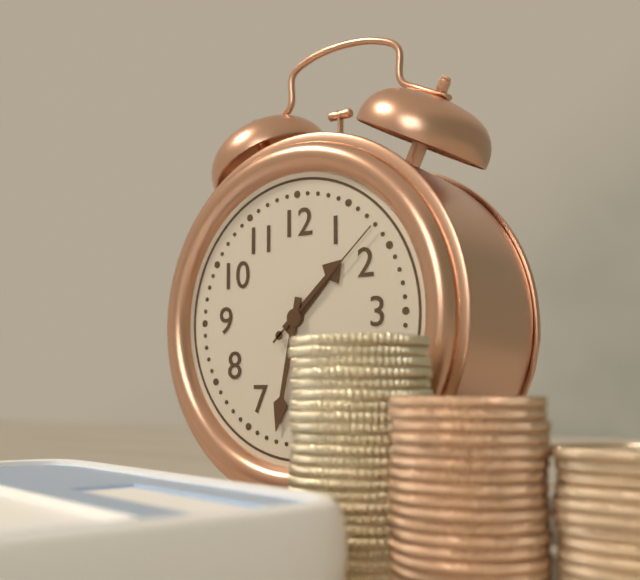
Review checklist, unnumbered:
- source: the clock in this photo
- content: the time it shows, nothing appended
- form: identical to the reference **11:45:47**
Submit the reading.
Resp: **1:32:08**
